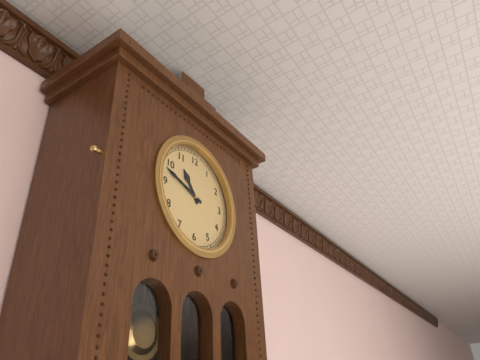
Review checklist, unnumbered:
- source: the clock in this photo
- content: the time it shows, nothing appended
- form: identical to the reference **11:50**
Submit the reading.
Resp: **10:48**
